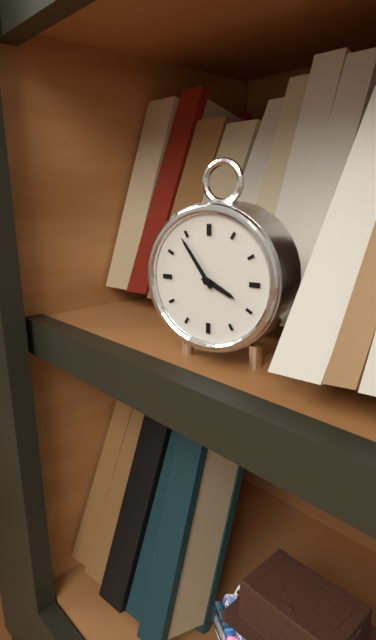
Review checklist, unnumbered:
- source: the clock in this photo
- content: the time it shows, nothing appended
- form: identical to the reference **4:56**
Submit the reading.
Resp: **3:54**
